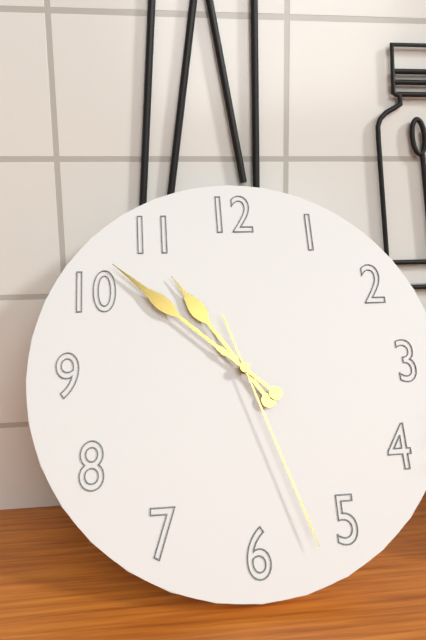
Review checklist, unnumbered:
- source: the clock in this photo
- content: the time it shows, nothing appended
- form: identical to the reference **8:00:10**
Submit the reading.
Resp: **10:52:27**
